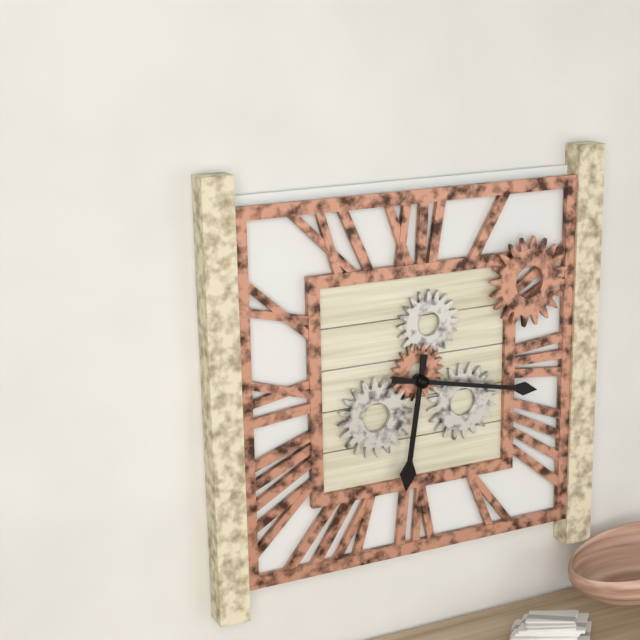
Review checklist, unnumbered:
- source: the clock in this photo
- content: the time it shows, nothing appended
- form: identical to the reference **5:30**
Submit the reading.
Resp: **6:17**
